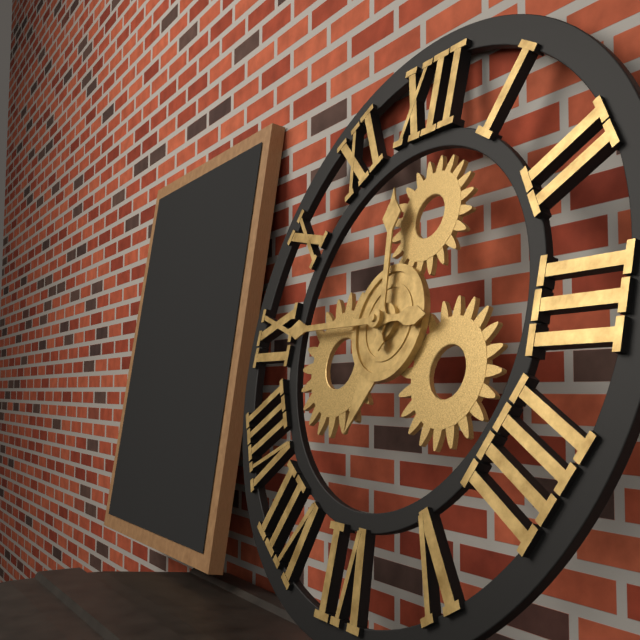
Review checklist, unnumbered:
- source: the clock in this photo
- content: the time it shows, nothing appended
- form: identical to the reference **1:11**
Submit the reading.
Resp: **11:45**
